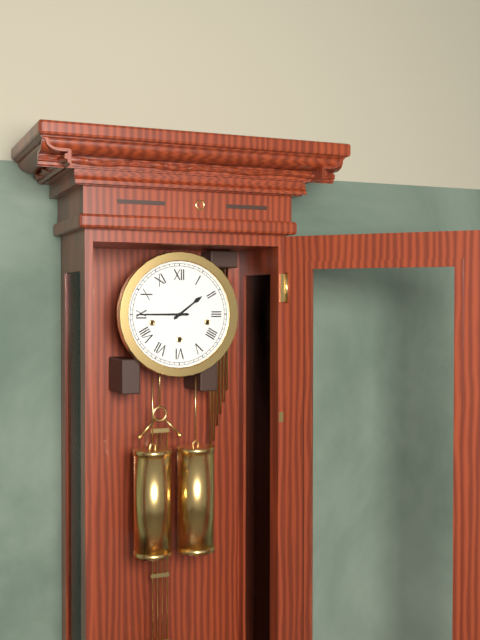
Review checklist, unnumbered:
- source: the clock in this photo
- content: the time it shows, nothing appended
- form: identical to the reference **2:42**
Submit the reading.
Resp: **1:45**
